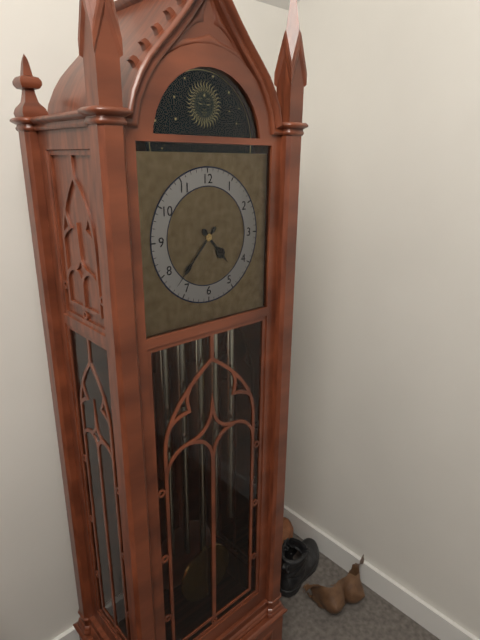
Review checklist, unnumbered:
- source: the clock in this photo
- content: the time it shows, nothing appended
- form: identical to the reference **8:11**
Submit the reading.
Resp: **4:37**
